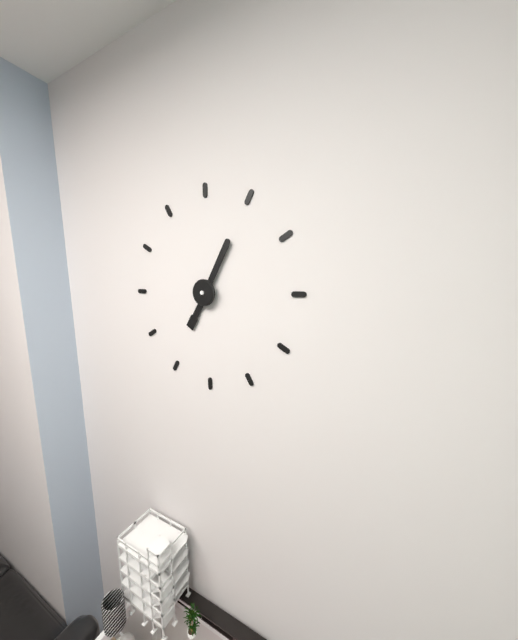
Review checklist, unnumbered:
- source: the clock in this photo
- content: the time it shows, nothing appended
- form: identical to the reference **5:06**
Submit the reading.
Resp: **7:05**
